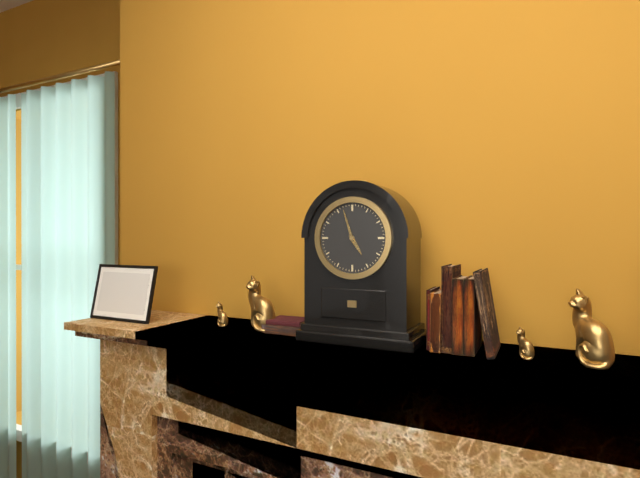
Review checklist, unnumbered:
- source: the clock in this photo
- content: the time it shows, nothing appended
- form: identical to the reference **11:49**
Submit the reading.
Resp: **4:57**
